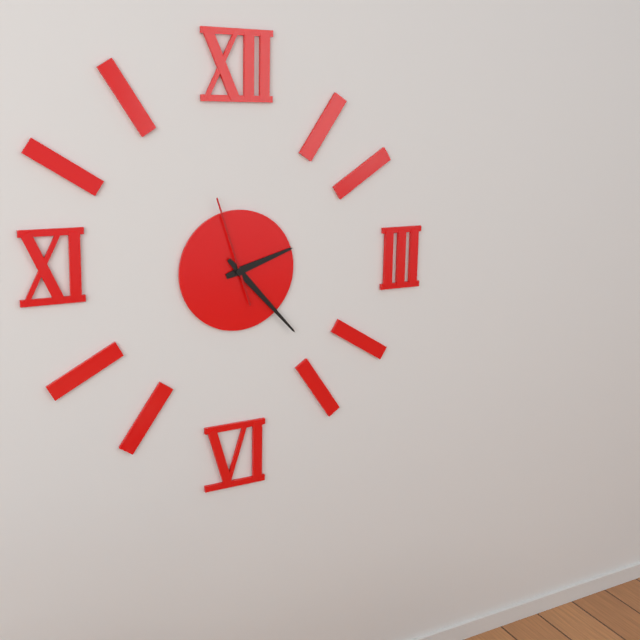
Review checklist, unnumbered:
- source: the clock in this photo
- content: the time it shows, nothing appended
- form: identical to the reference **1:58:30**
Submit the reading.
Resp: **2:23:57**
